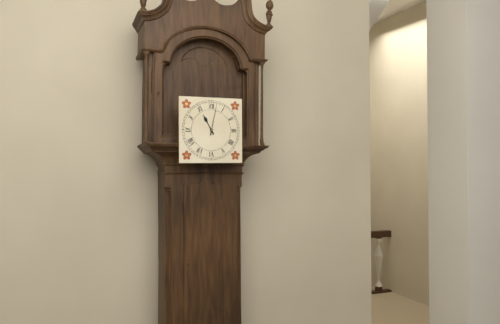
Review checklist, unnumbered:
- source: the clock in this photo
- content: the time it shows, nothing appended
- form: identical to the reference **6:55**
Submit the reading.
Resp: **11:02**
